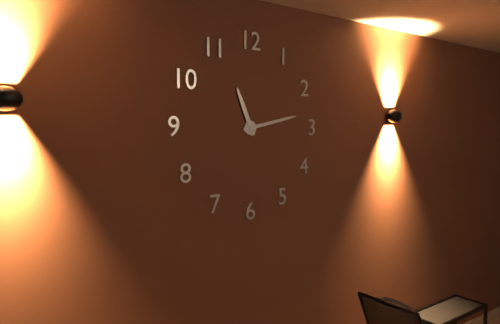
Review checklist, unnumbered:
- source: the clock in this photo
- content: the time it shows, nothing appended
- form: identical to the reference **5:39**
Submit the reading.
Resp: **11:13**
